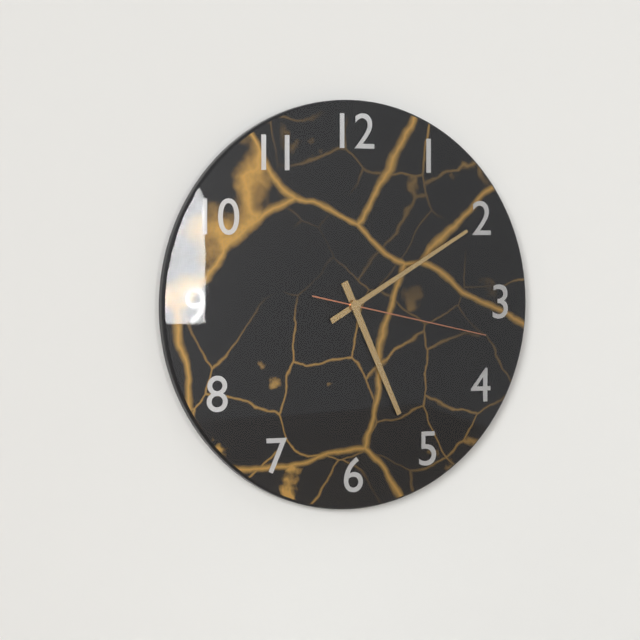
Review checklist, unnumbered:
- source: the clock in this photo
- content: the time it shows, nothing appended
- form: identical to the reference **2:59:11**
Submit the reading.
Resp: **5:10:17**
